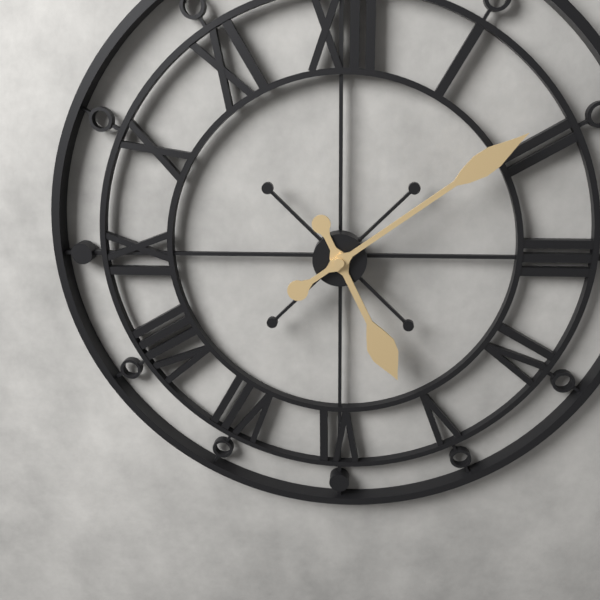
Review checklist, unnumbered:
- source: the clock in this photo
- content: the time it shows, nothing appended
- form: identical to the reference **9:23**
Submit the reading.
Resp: **5:09**
